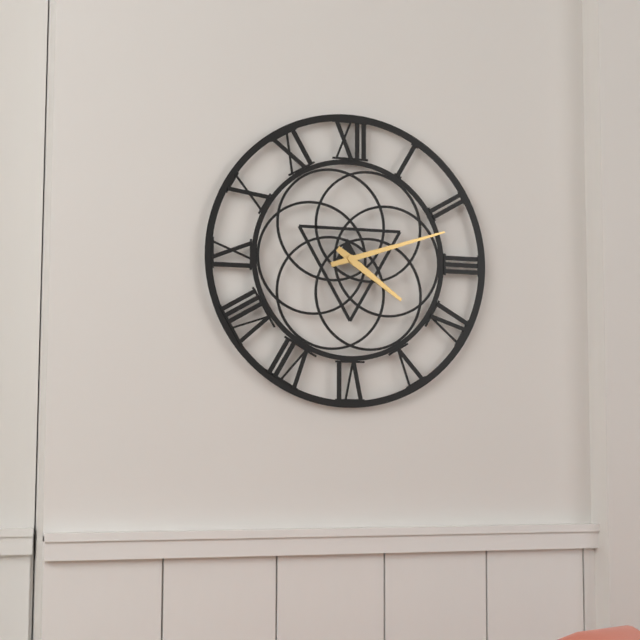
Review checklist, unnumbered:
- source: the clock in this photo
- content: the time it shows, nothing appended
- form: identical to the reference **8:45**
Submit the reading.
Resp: **4:12**
